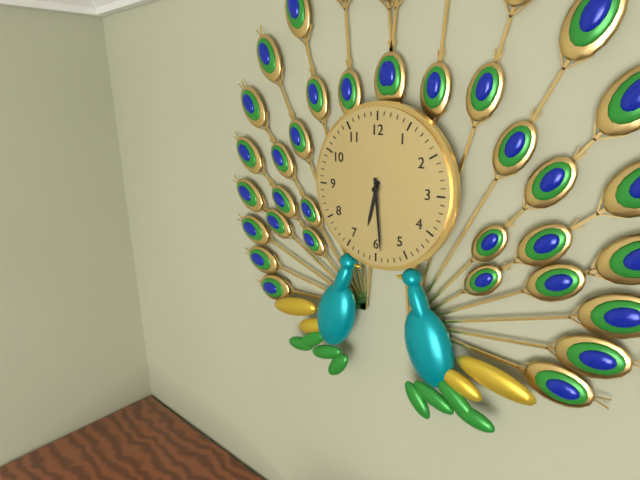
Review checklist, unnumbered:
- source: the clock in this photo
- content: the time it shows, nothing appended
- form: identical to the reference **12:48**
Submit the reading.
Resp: **6:29**
